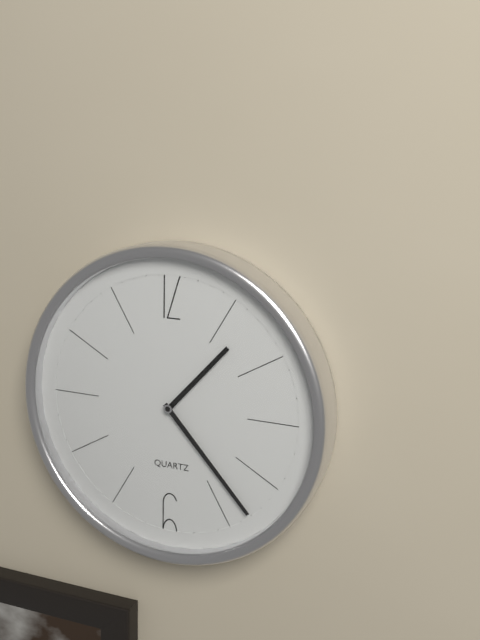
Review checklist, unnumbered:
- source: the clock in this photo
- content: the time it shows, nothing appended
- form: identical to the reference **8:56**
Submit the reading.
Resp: **1:23**
